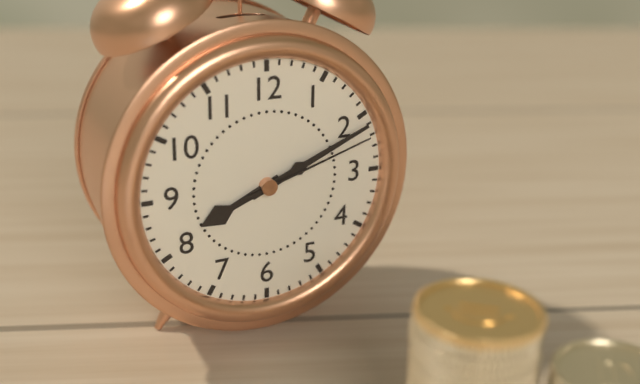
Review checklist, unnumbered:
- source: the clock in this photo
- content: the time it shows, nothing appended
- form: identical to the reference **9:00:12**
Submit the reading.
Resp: **8:11:12**
